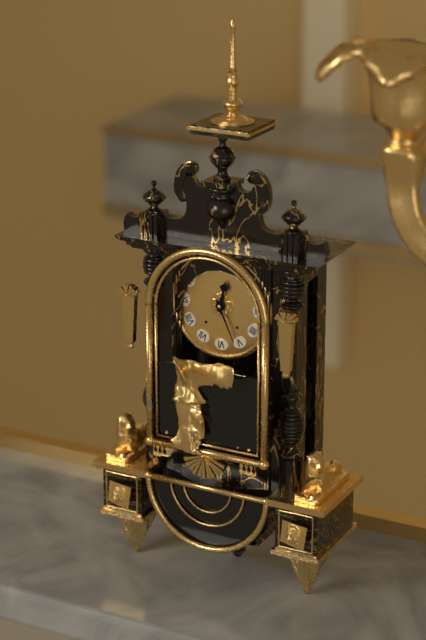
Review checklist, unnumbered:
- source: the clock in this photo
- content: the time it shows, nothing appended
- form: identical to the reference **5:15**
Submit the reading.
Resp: **12:26**
